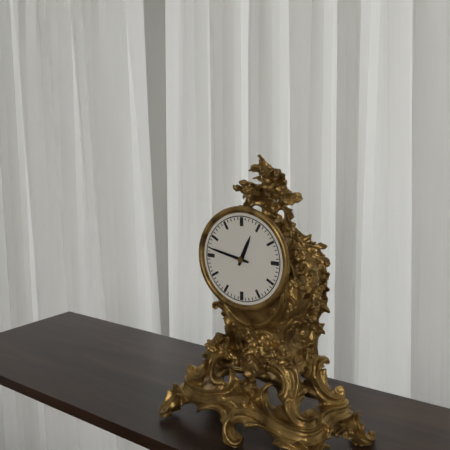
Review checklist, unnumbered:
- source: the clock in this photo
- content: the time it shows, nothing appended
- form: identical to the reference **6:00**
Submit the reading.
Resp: **12:47**
